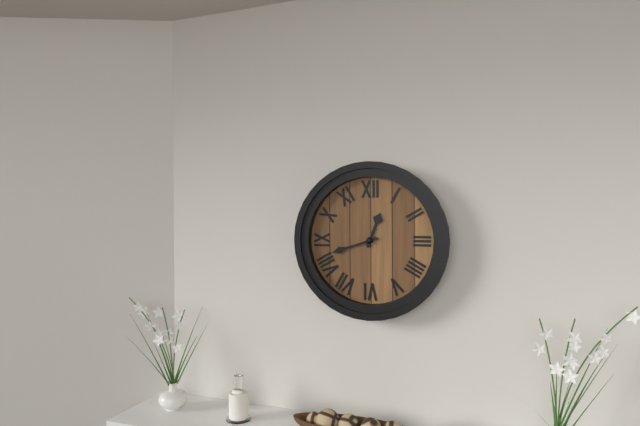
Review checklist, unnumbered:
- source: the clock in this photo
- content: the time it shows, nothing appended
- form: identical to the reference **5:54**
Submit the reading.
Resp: **12:42**
